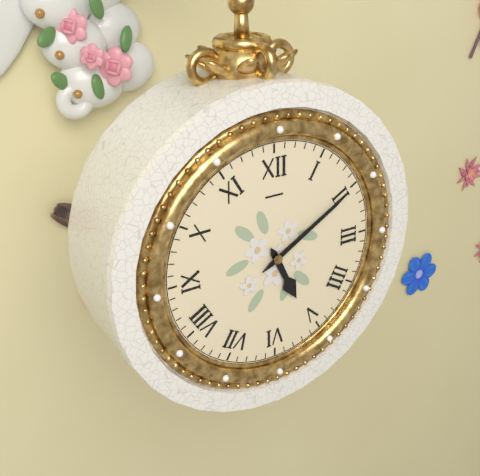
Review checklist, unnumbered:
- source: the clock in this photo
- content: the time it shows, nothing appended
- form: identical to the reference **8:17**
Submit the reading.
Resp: **5:10**
